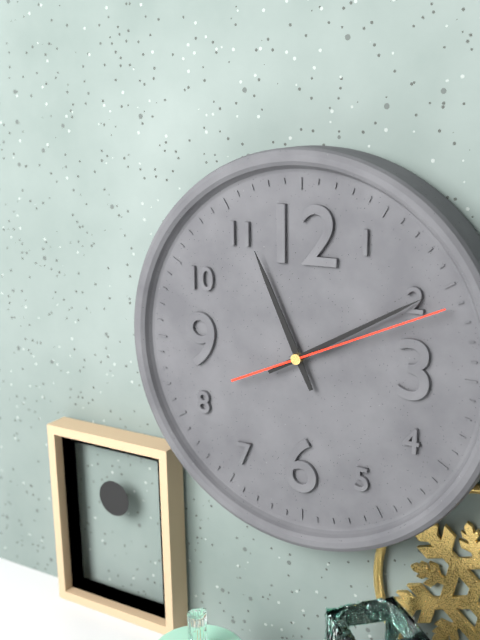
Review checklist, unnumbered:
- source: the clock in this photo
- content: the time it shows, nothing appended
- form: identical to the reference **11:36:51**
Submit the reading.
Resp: **11:10:11**
